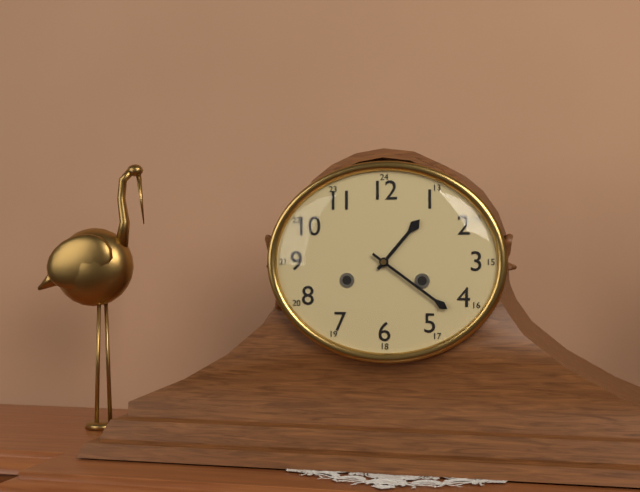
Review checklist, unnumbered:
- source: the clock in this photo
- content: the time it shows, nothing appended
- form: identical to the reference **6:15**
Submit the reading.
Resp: **1:21**
